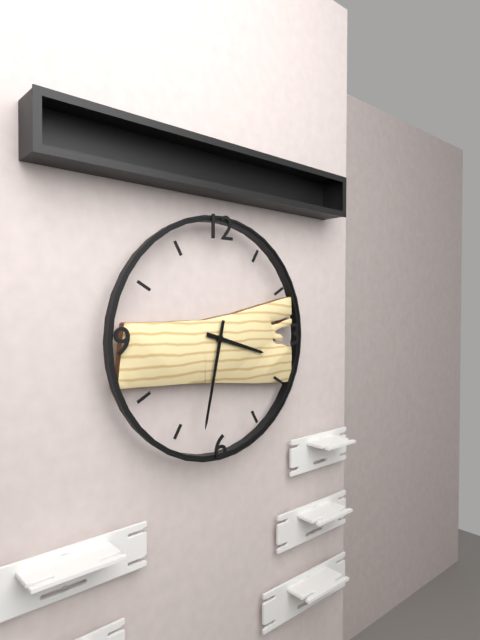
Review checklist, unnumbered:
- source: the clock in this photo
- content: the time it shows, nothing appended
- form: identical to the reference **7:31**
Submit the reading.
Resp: **3:32**
